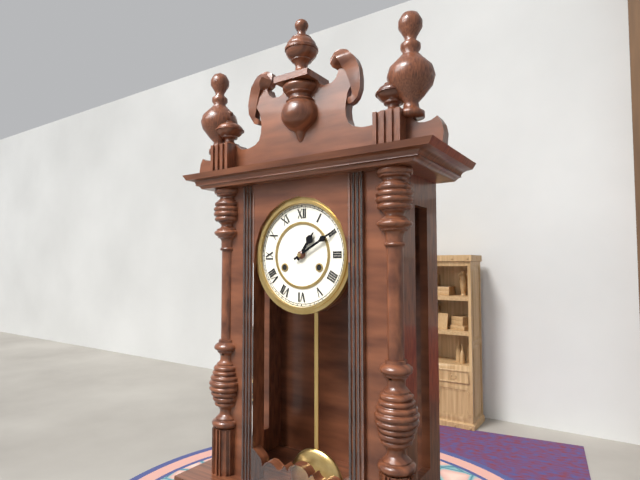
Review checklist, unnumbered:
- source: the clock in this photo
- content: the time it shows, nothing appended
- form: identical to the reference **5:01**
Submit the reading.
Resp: **1:10**
